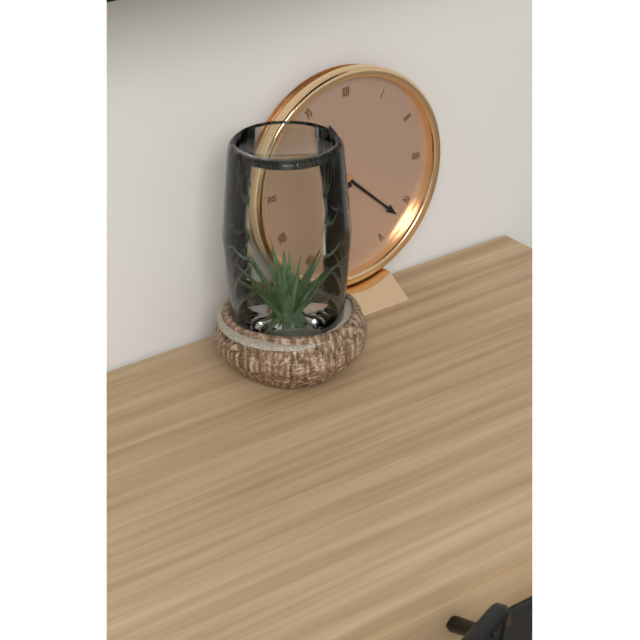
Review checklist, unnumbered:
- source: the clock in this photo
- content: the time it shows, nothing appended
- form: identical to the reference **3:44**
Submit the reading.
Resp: **11:22**
